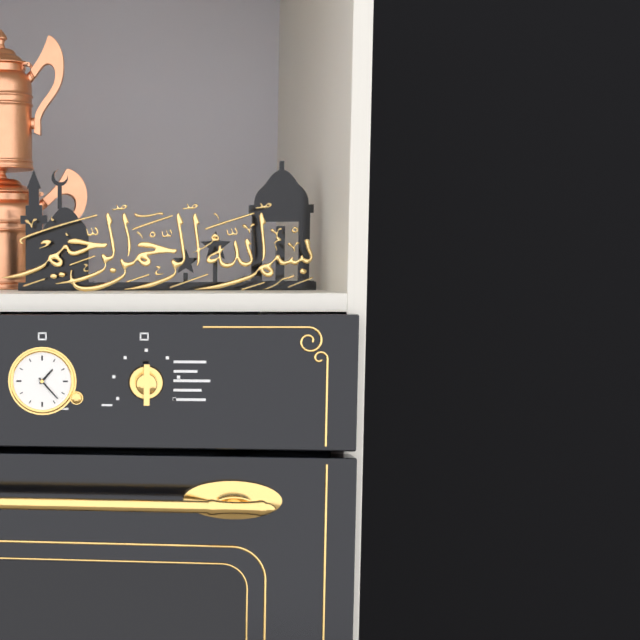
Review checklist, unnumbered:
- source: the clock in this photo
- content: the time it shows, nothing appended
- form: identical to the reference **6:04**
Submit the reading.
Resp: **1:23**
